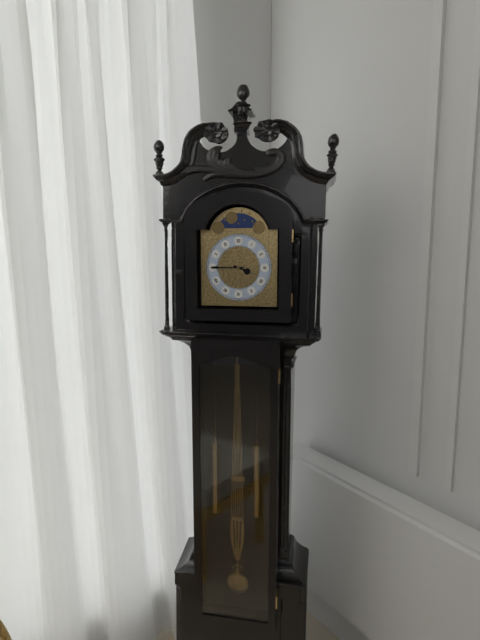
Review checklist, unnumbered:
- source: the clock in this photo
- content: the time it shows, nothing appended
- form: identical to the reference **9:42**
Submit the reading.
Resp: **3:45**
